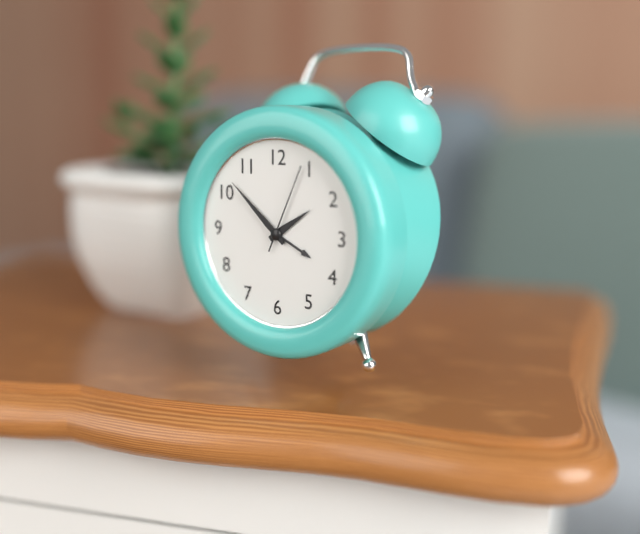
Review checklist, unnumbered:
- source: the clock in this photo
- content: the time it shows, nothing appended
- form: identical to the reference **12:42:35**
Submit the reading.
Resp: **1:52:04**
